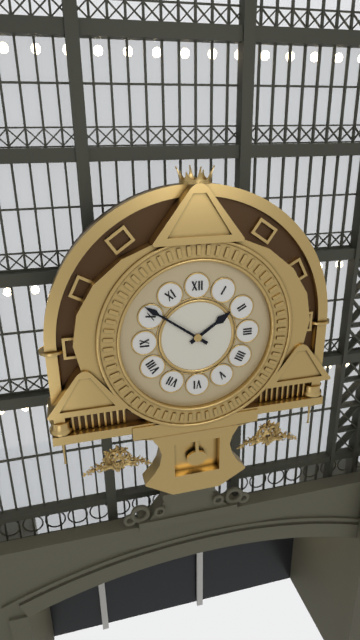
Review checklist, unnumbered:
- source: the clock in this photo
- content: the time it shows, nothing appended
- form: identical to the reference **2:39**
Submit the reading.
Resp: **1:51**
